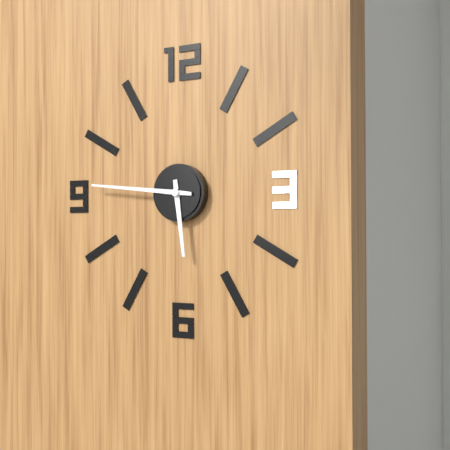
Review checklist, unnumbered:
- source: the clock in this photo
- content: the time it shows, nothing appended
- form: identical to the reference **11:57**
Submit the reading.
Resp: **5:46**
